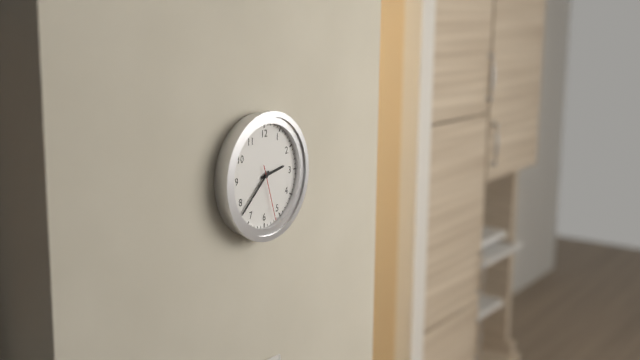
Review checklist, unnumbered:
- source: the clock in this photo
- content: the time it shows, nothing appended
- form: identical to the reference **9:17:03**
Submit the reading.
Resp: **2:38:27**
